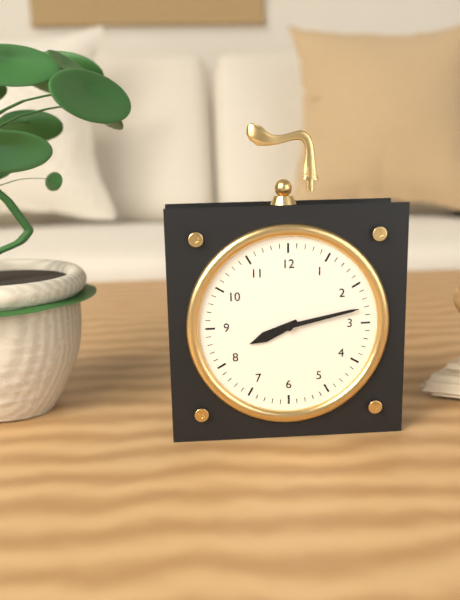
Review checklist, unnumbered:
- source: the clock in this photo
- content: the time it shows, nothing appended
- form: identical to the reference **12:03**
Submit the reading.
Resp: **8:13**
